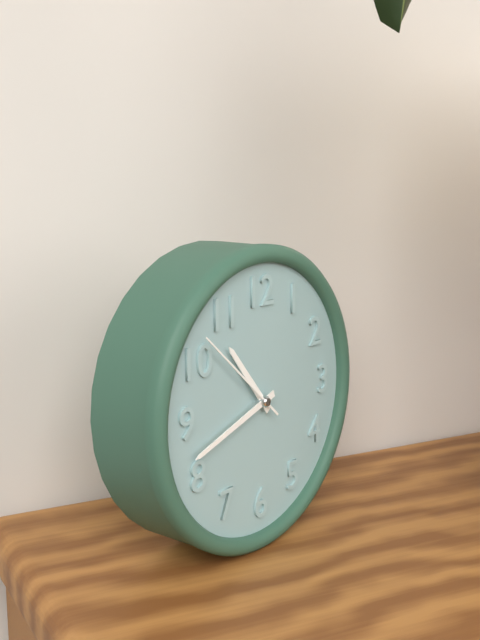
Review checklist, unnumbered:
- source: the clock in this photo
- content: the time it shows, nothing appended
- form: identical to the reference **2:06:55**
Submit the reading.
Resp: **10:42:52**
